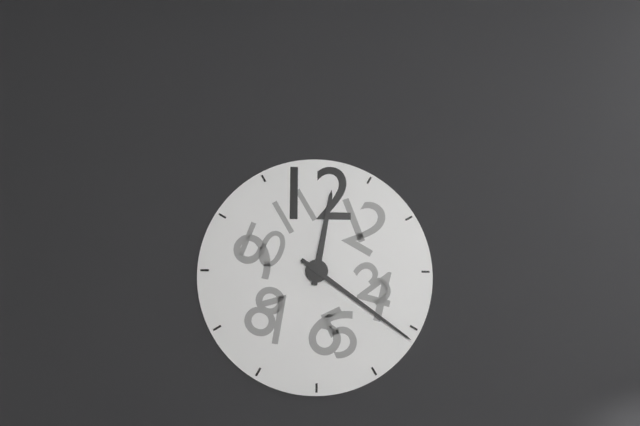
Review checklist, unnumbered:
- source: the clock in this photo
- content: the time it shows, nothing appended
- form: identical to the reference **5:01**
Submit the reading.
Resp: **12:21**
